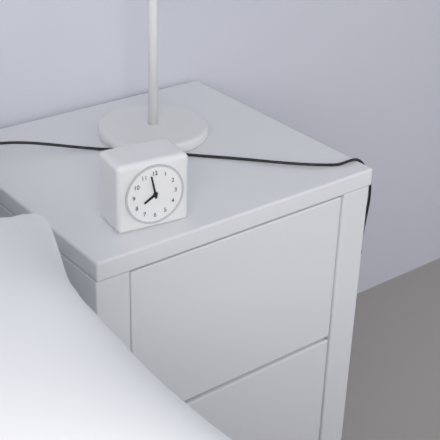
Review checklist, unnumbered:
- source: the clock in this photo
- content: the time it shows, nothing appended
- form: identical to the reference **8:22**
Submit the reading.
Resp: **7:58**
